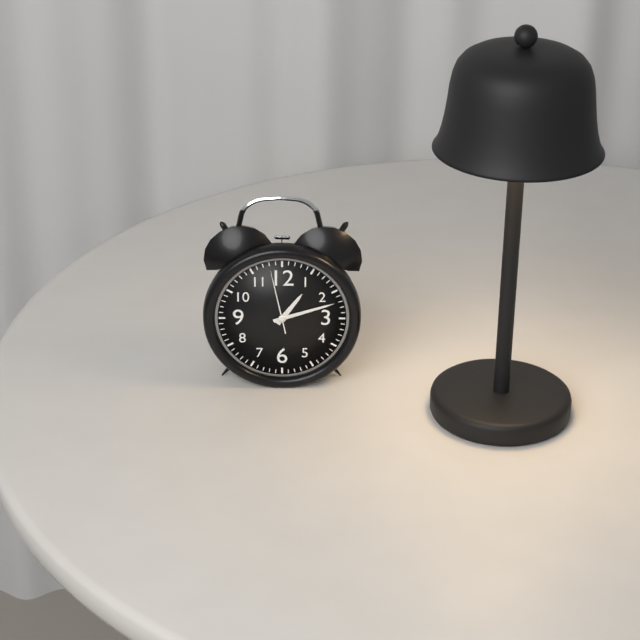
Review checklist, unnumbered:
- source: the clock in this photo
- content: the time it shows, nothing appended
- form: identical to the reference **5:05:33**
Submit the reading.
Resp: **1:12:58**
